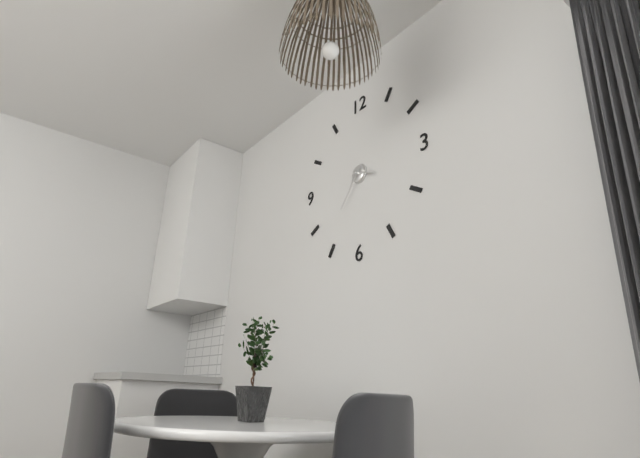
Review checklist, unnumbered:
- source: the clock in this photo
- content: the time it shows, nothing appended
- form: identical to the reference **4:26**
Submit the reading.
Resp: **3:36**
